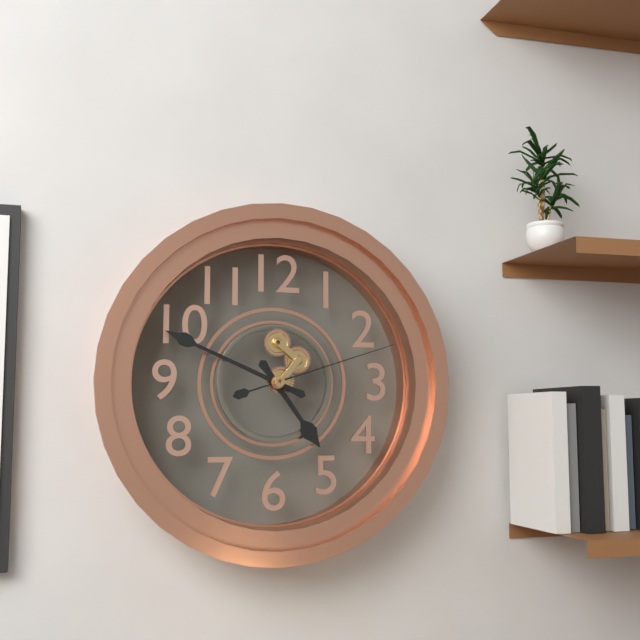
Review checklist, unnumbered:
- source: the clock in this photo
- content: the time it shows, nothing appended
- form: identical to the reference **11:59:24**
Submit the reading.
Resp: **4:49:12**
